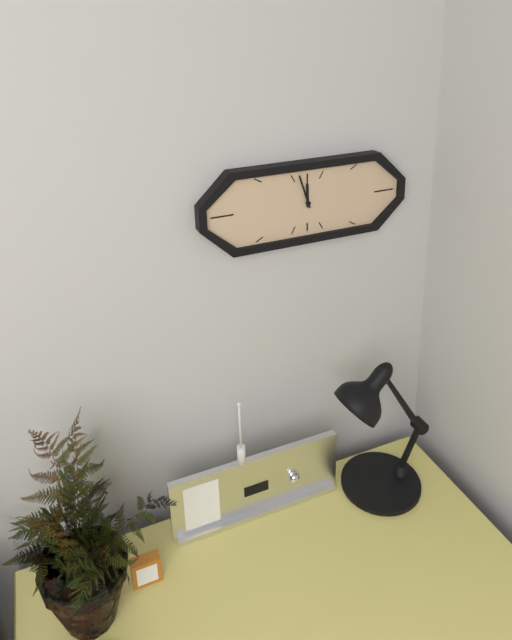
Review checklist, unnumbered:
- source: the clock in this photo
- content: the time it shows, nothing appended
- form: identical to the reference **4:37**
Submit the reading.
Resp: **11:57**
